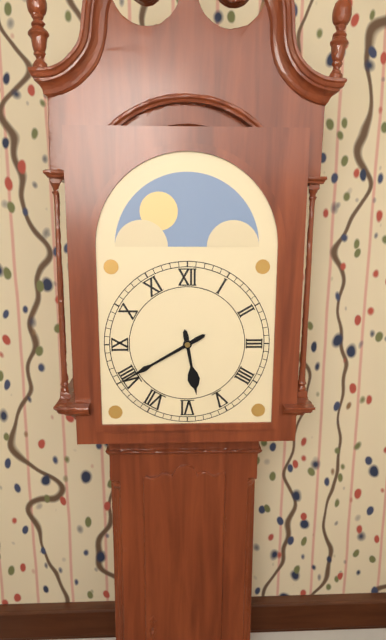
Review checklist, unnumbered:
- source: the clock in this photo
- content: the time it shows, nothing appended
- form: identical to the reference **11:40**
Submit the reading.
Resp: **5:40**
